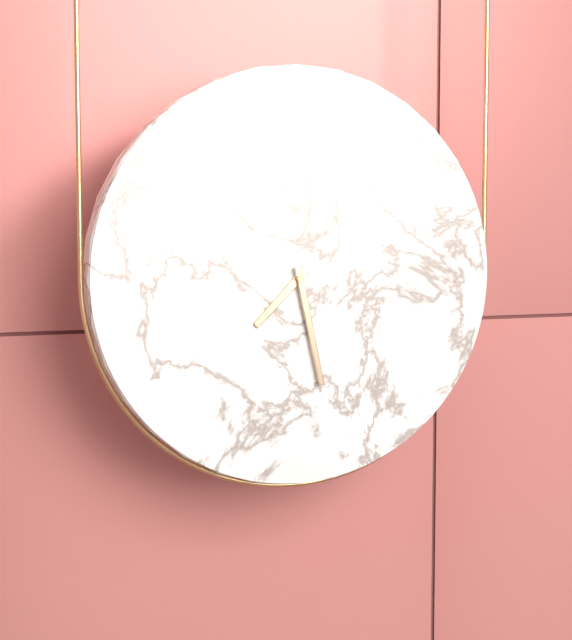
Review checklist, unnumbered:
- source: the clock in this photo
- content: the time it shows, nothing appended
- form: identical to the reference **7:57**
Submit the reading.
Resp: **7:28**
